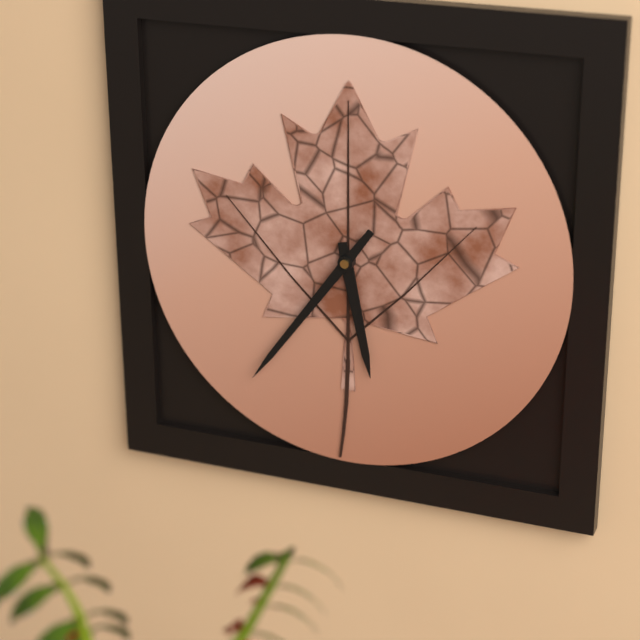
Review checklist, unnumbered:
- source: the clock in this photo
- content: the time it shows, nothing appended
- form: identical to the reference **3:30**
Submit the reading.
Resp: **5:36**
